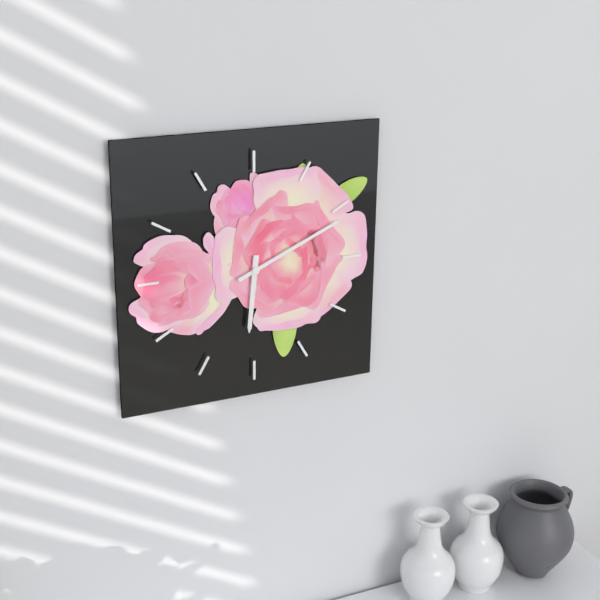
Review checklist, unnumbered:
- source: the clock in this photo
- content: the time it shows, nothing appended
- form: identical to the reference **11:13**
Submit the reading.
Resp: **6:11**
